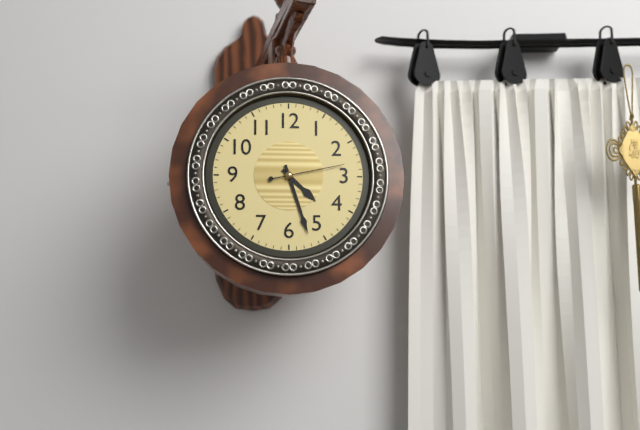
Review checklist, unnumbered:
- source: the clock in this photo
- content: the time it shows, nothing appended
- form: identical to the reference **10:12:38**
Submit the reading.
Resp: **4:27:13**
